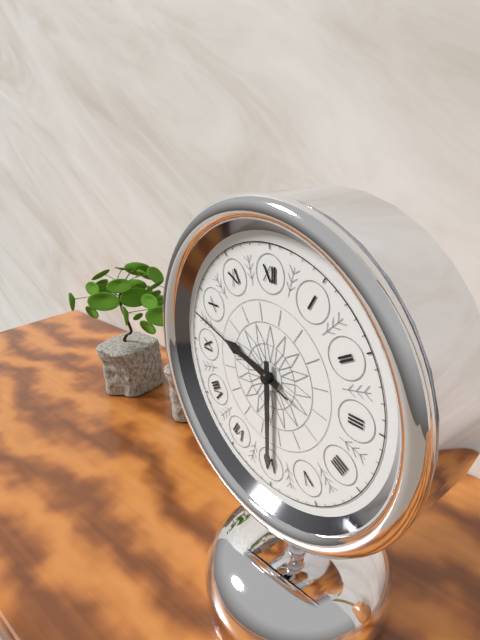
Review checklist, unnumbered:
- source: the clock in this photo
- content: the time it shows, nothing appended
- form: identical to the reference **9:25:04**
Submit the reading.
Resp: **9:30:48**
